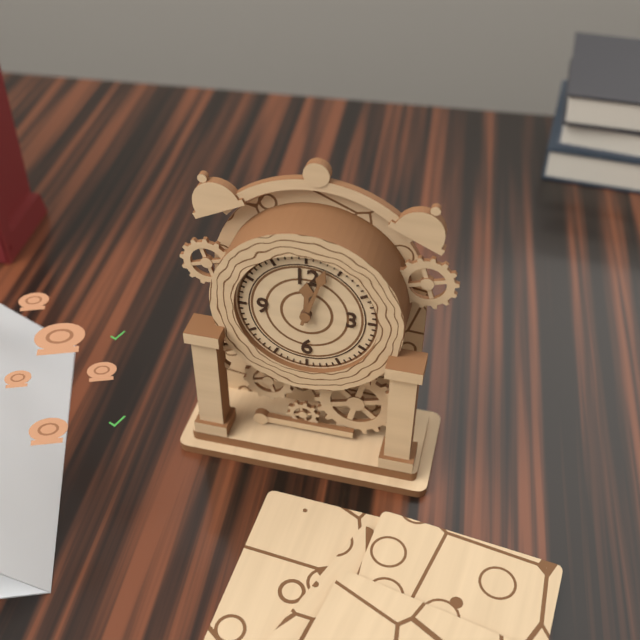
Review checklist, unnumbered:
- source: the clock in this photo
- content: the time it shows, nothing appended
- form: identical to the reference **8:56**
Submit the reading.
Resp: **12:03**
